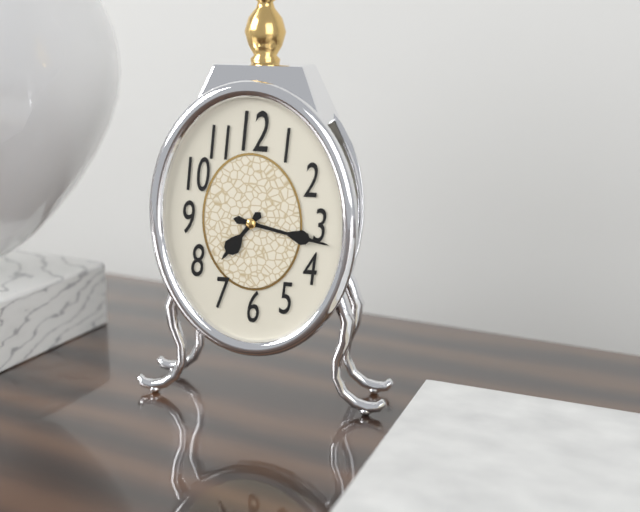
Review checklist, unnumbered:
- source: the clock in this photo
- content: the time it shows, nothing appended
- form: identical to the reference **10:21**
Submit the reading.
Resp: **7:17**
